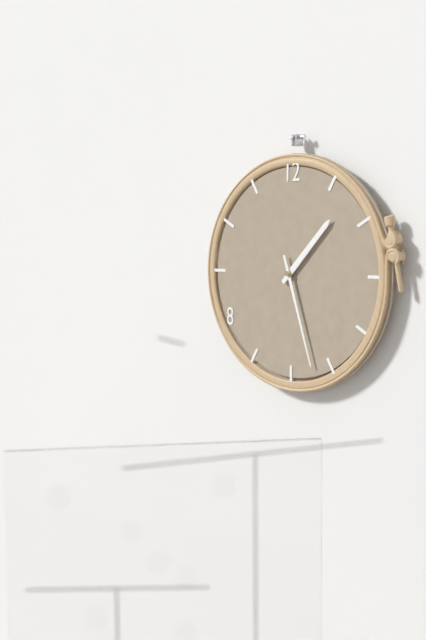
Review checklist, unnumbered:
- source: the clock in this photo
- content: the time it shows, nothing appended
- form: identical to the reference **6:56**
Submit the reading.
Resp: **1:27**
